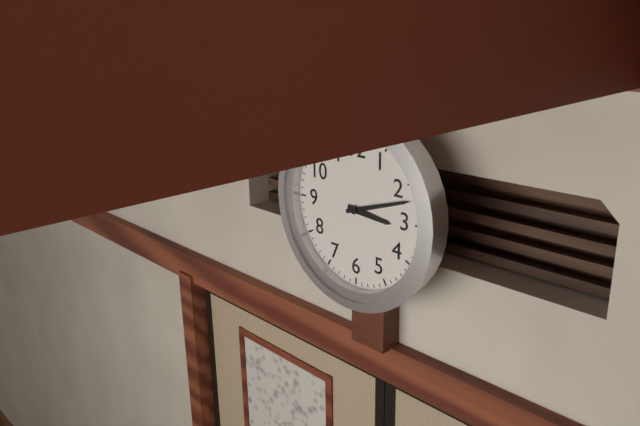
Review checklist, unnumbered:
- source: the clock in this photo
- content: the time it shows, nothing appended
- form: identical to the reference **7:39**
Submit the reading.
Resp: **3:12**
